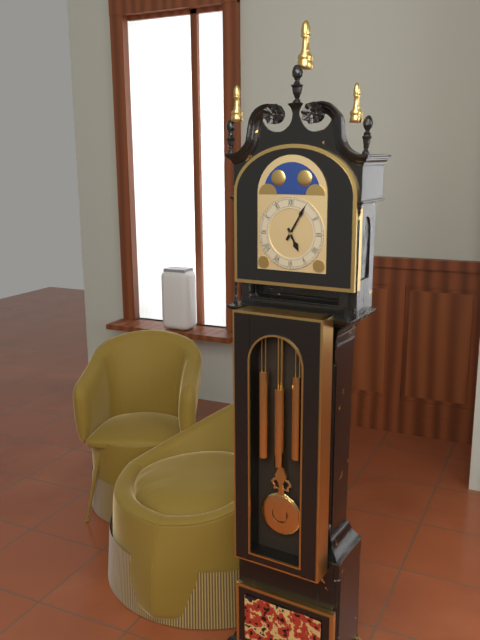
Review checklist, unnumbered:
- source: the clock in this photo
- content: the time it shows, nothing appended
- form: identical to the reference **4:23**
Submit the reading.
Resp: **5:05**
